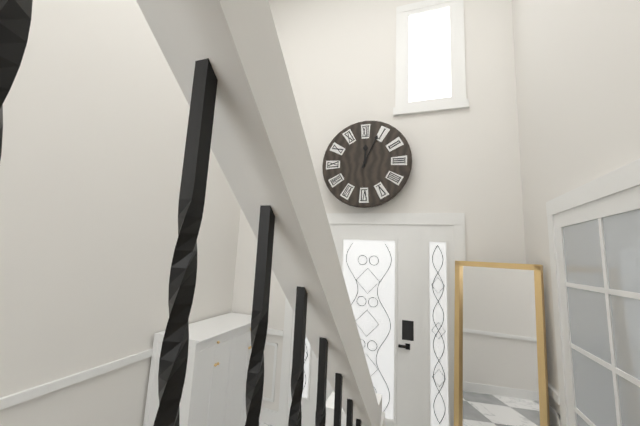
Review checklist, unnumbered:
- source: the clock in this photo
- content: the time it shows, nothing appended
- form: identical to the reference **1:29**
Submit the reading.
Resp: **12:04**
